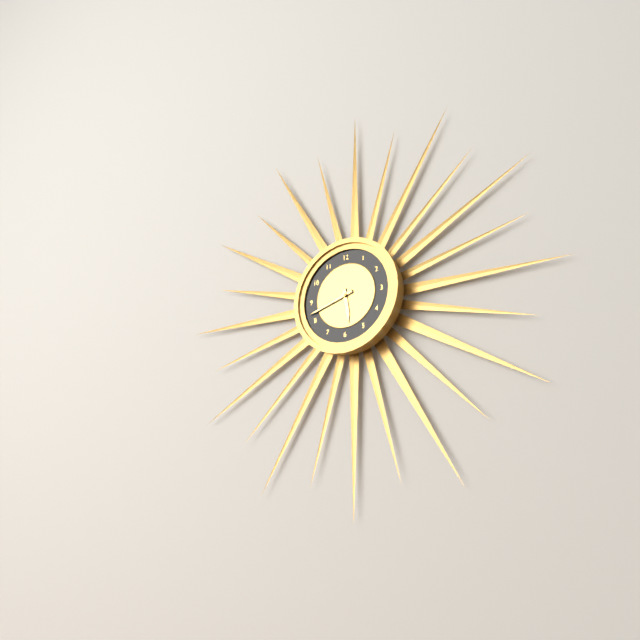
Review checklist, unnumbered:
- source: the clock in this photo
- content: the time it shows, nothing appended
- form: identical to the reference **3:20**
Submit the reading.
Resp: **5:42**
